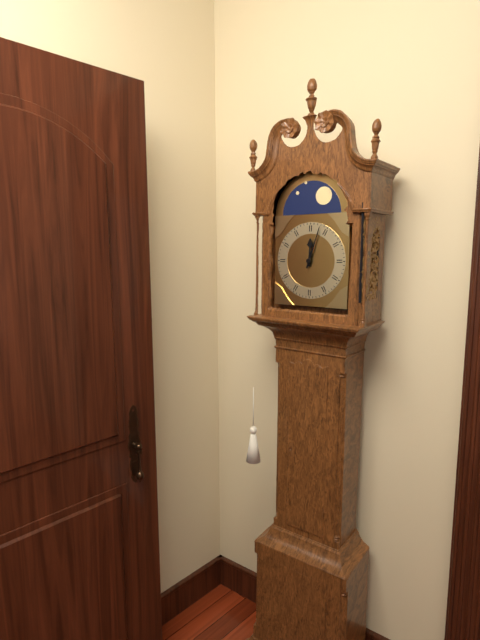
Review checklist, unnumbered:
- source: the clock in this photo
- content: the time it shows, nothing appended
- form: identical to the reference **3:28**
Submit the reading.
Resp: **12:03**
